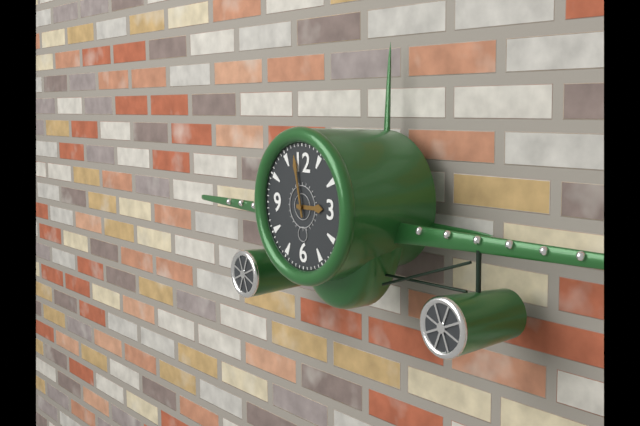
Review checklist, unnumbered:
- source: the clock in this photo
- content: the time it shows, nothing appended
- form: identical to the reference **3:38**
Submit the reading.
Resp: **2:58**
